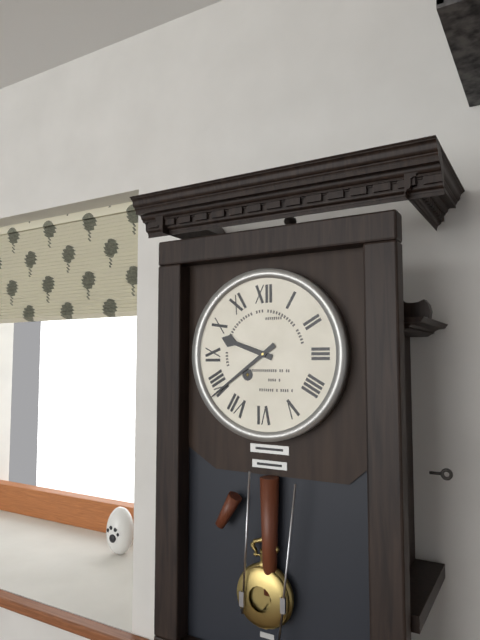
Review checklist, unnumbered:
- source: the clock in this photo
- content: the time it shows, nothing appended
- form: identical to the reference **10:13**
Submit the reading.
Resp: **9:39**
